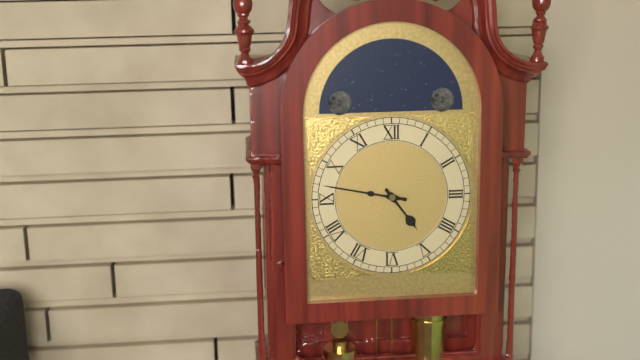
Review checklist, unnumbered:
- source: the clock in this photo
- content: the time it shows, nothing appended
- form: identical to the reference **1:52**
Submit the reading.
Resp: **4:47**
